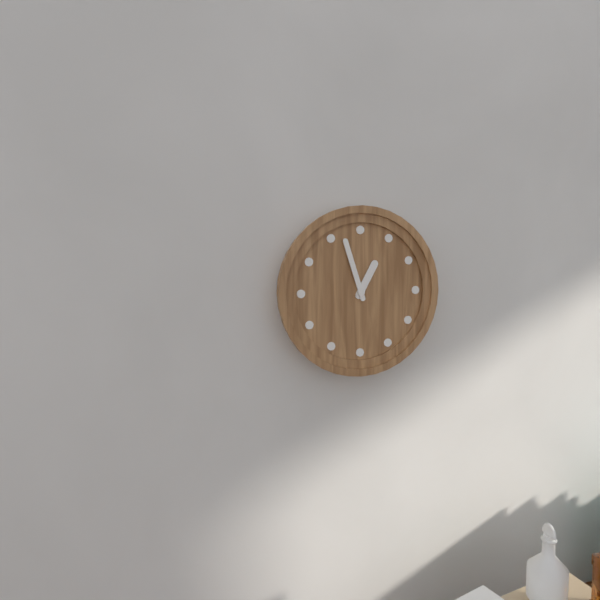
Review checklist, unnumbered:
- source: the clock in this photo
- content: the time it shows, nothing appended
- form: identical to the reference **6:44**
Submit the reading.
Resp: **12:57**
